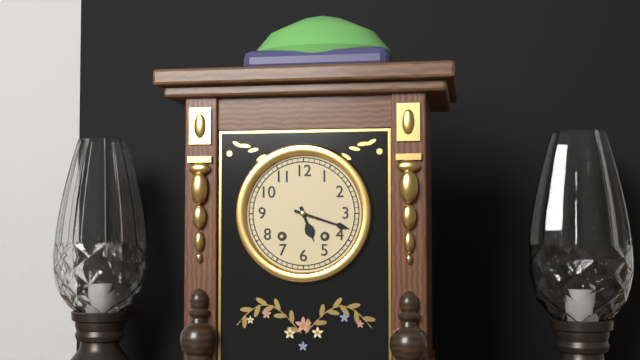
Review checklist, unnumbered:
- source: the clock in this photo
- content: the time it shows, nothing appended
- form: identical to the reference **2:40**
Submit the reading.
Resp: **5:18**
